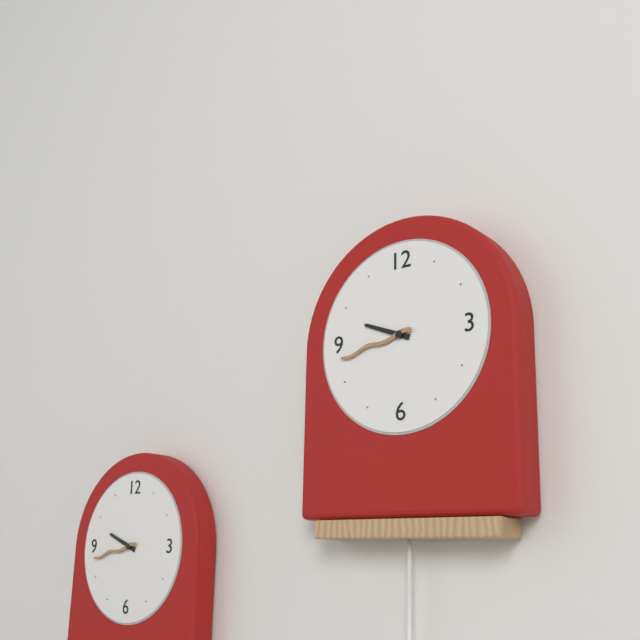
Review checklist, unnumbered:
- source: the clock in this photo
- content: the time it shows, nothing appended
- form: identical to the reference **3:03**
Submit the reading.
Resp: **9:43**
